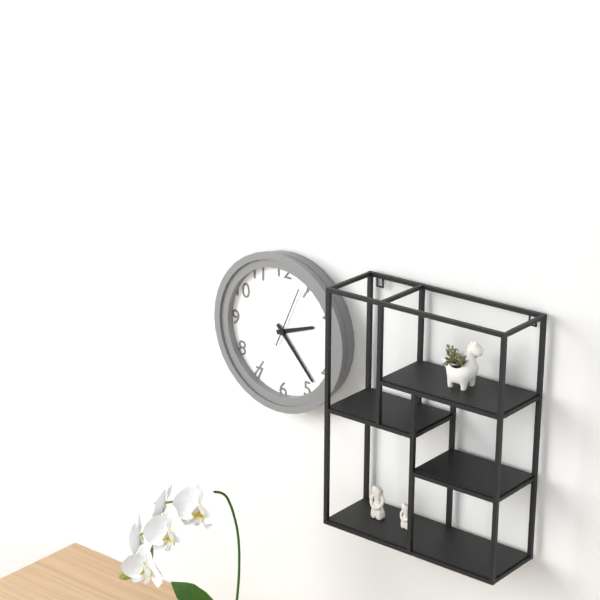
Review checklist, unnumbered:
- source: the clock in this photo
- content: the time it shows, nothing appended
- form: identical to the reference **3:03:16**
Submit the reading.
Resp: **2:23:04**
